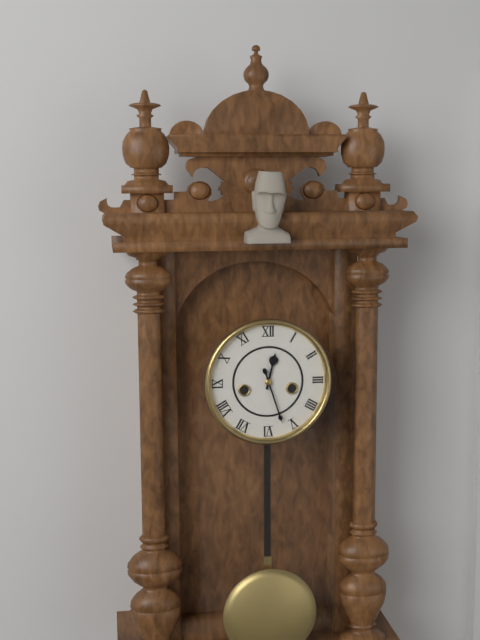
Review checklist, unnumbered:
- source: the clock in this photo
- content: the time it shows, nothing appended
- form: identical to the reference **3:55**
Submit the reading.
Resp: **12:27**
